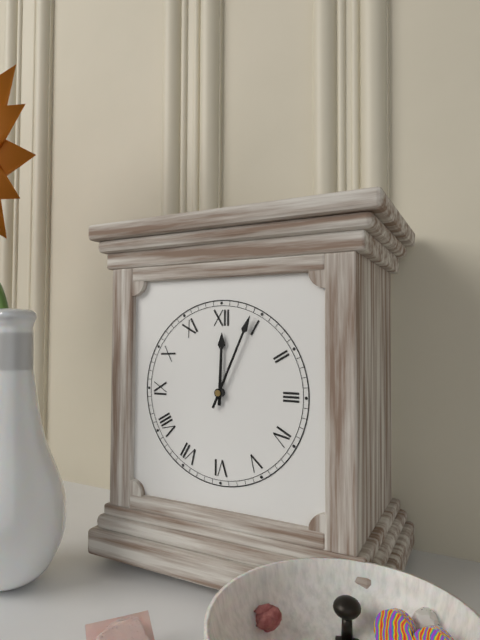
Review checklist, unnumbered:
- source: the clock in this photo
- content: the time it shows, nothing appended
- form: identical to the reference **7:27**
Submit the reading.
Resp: **12:04**
